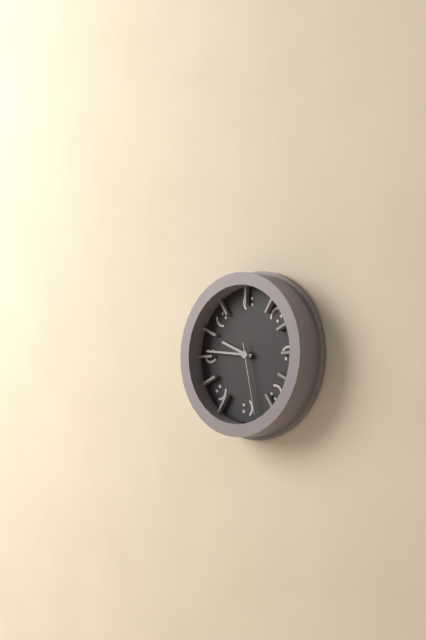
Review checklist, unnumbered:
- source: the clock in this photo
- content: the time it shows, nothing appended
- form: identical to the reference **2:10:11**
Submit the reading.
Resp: **9:46:28**
